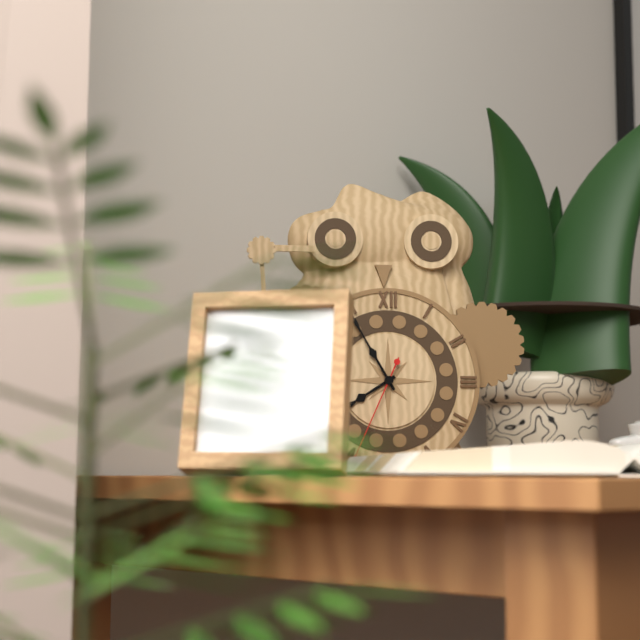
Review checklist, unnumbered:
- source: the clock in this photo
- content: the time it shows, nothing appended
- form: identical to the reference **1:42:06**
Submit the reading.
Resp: **7:55:34**
